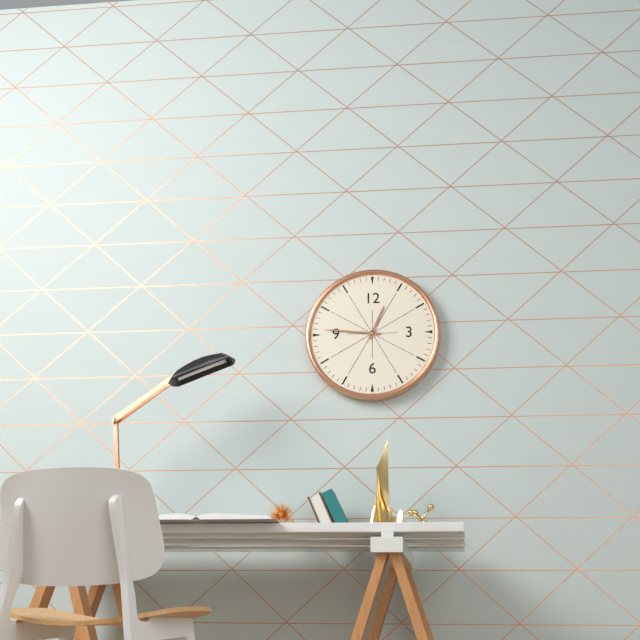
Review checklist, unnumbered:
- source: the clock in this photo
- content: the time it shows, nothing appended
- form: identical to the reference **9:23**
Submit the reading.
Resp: **12:46**
